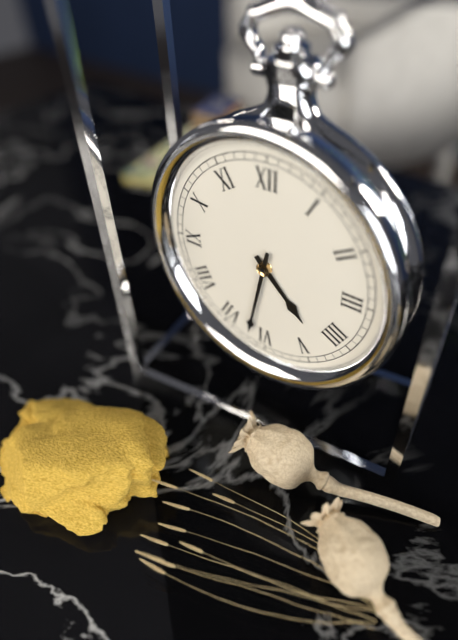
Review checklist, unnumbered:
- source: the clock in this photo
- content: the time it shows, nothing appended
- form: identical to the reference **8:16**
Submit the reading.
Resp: **4:32**
